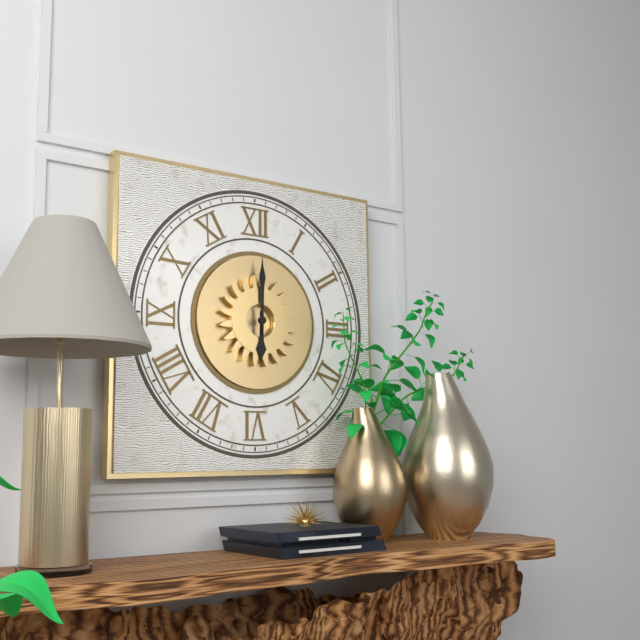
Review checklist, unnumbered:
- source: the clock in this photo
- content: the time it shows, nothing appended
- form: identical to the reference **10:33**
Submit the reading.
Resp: **6:00**
